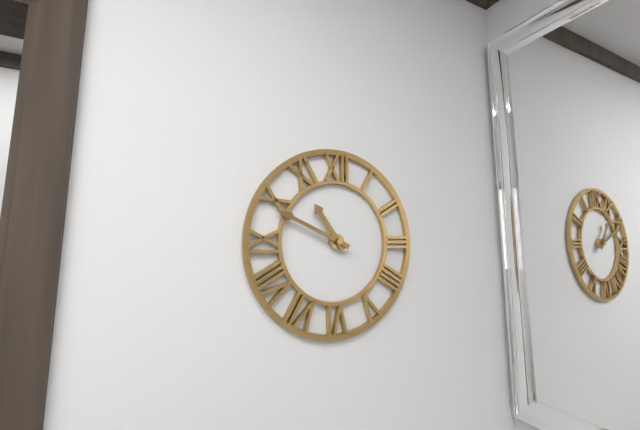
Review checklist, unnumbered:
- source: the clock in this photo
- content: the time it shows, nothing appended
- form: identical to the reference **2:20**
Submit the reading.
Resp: **10:49**
